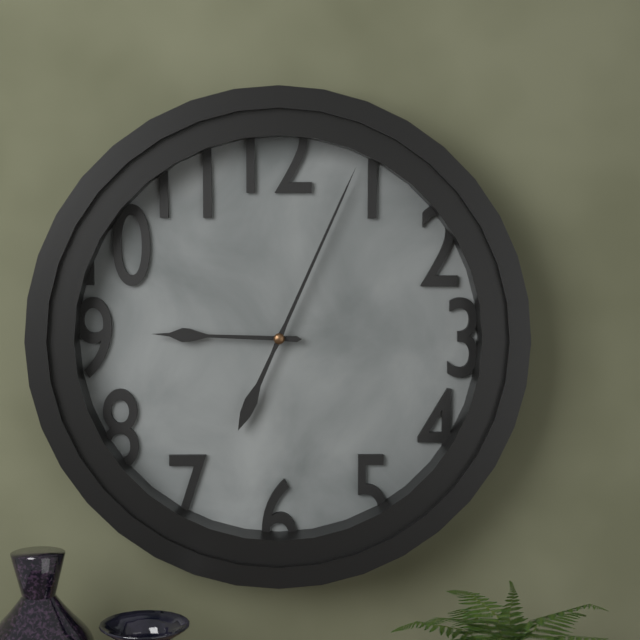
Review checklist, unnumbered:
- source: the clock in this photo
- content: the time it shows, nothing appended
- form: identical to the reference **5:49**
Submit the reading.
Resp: **9:04**
